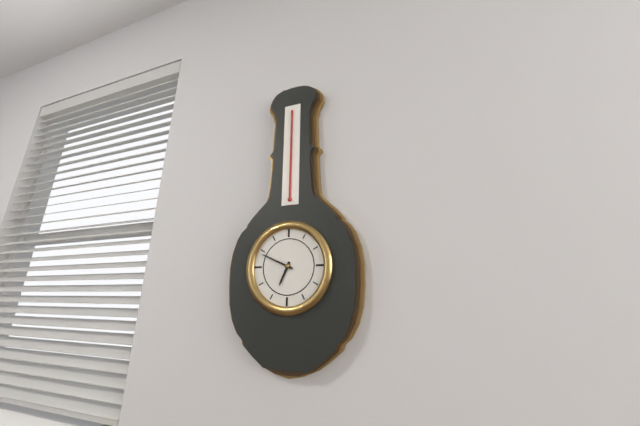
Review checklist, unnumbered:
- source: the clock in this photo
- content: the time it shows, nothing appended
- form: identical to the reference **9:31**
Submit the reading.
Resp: **6:49**
